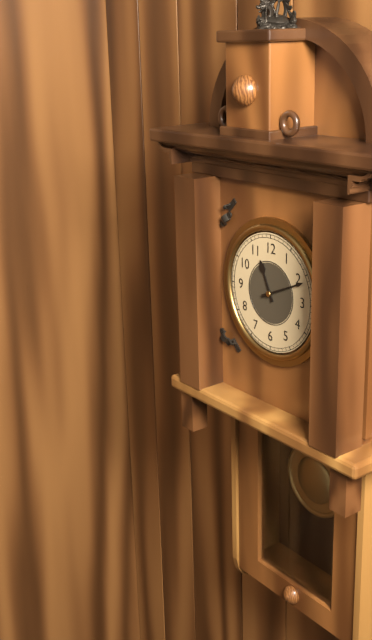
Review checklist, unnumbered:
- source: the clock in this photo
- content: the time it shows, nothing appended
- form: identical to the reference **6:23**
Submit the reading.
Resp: **11:11**
